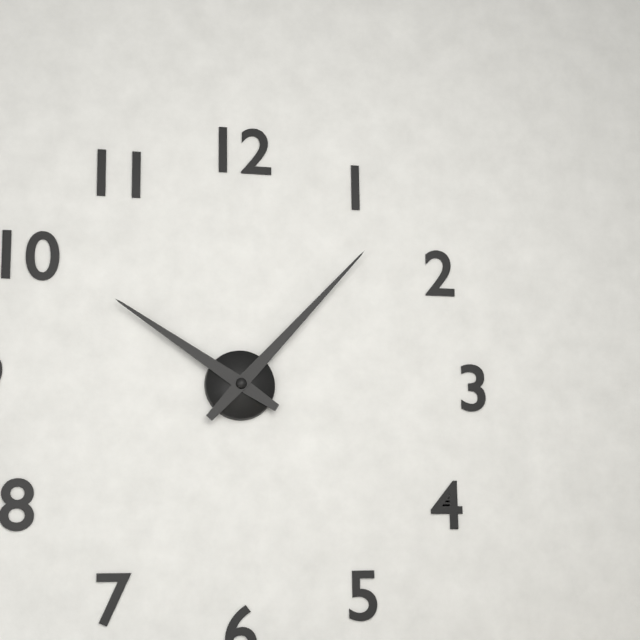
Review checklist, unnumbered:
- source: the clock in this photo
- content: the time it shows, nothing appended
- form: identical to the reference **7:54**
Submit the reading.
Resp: **10:07**
